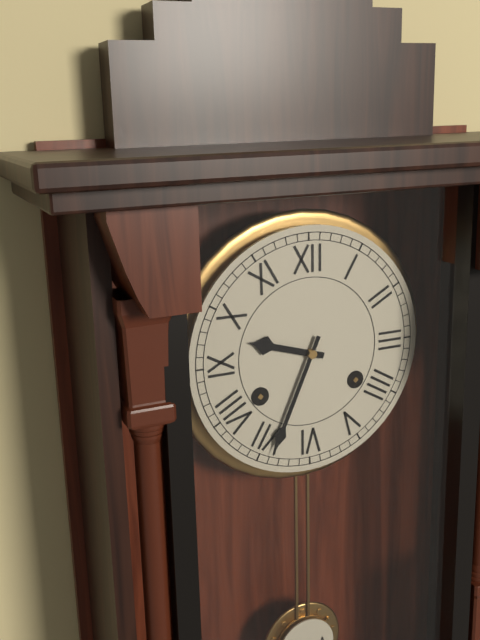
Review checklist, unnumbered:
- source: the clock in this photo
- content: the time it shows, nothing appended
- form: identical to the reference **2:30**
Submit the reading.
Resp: **9:34**
